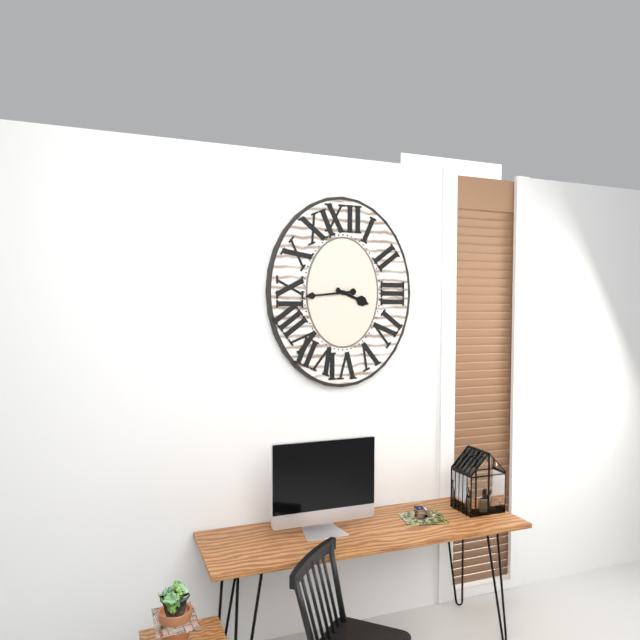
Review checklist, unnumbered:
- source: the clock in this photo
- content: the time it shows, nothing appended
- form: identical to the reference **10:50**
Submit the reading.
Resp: **3:44**
